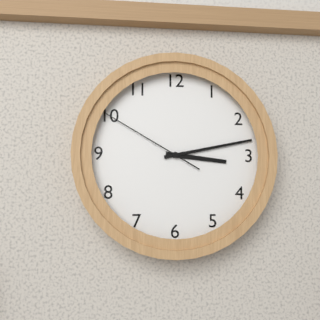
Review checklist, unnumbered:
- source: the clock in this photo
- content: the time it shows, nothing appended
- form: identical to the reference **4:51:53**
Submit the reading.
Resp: **3:13:50**
